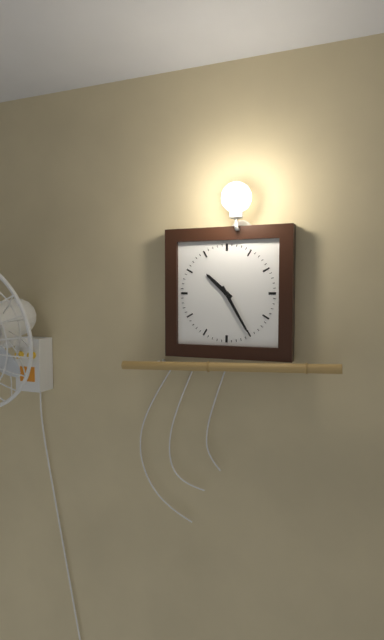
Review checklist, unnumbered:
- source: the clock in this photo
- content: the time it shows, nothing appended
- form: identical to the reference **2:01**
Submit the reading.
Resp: **10:25**
